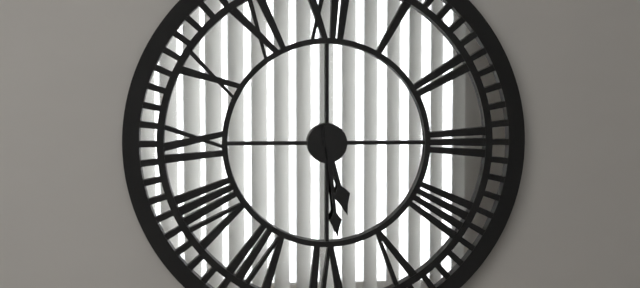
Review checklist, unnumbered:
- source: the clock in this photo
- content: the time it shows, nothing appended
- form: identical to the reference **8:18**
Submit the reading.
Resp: **5:29**
